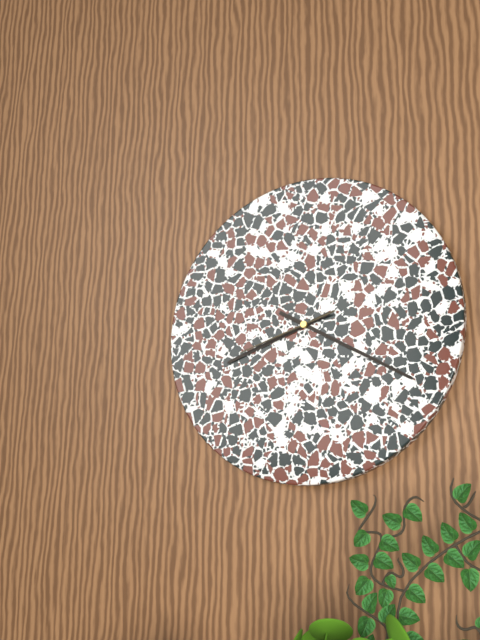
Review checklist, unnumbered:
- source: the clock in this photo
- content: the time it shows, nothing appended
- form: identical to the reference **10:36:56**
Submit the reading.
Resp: **8:20:42**
